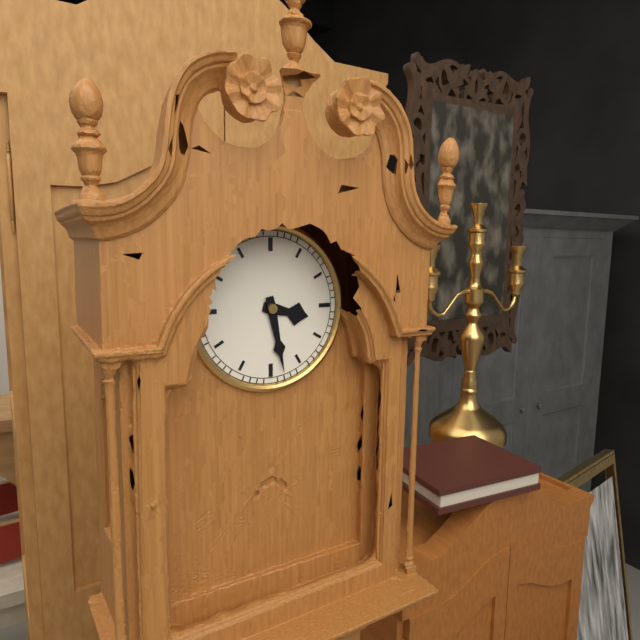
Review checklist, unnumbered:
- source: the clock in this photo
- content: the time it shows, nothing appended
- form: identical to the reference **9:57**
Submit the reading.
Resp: **3:28**
